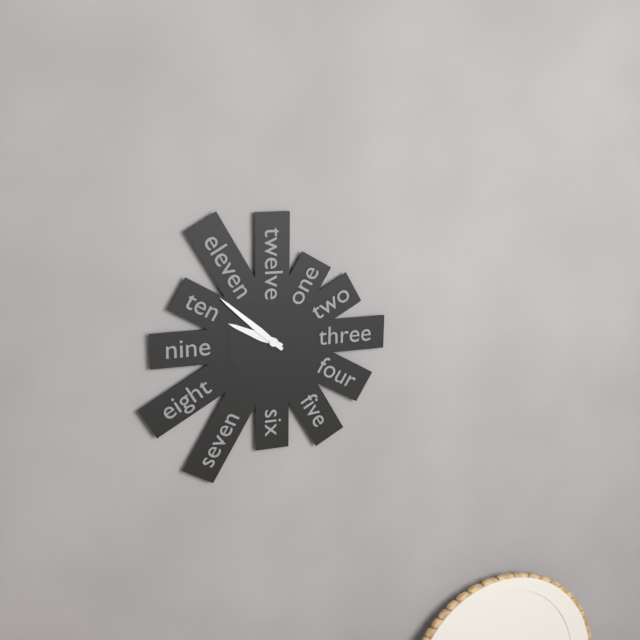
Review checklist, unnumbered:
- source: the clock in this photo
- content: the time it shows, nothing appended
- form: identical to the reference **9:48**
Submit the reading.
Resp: **9:52**
